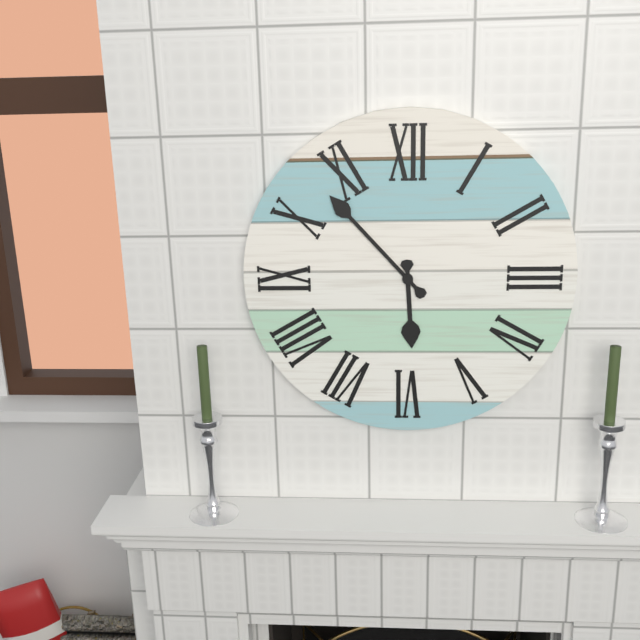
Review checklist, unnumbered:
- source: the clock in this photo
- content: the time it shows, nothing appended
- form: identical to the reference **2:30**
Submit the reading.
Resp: **5:53**
